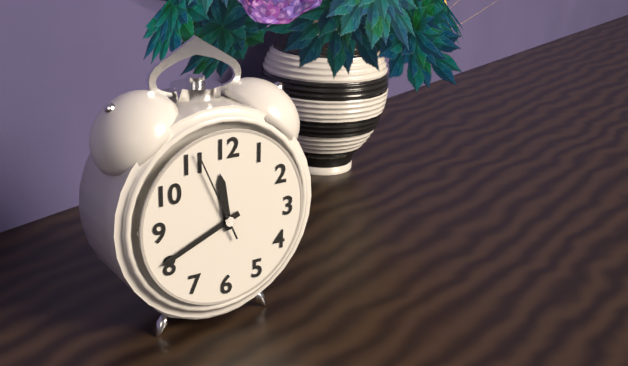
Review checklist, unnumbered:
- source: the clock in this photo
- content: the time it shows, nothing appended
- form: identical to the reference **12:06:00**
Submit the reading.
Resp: **11:41:56**
